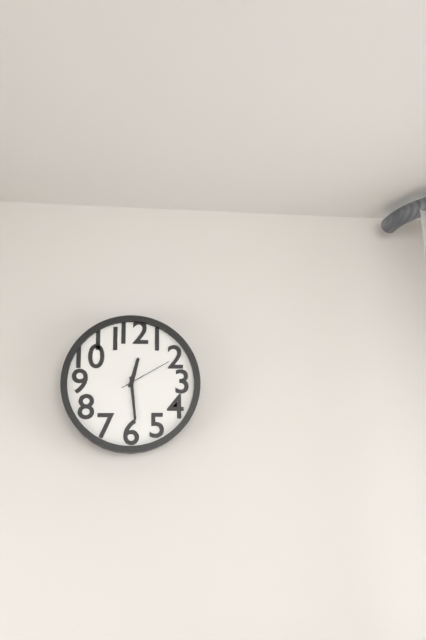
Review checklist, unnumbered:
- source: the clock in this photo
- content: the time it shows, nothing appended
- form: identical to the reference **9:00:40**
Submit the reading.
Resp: **12:29:10**
